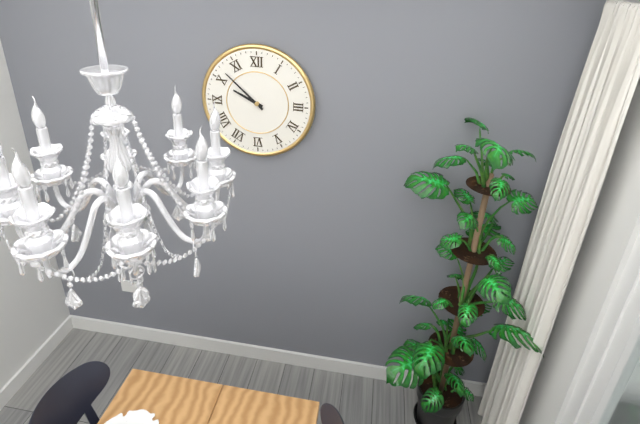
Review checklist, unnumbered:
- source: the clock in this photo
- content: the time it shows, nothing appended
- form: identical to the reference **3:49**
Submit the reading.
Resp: **9:52**
